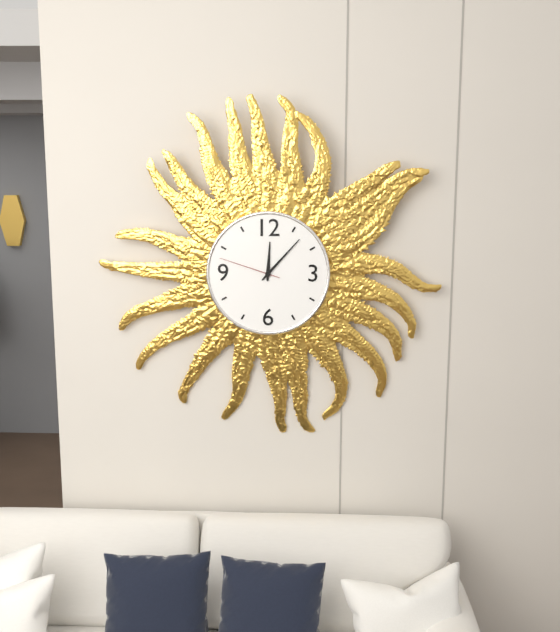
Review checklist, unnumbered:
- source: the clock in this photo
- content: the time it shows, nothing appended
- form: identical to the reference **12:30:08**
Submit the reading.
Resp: **12:07:48**
